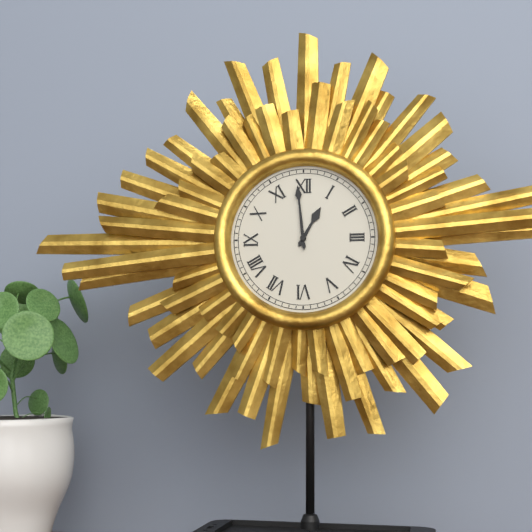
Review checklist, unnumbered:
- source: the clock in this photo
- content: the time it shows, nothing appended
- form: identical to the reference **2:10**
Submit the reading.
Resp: **12:59**
